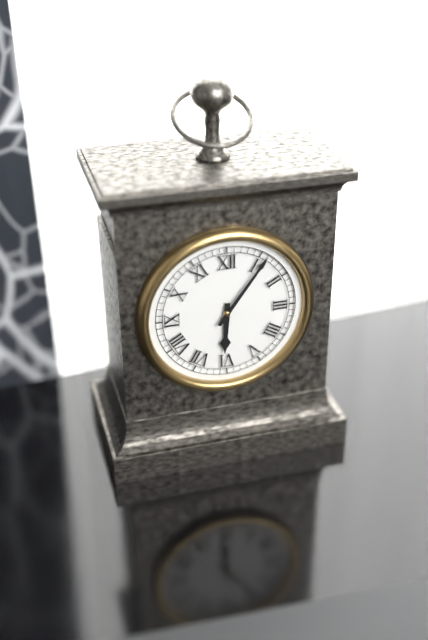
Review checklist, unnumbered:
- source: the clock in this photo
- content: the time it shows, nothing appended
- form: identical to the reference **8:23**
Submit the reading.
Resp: **6:06**
